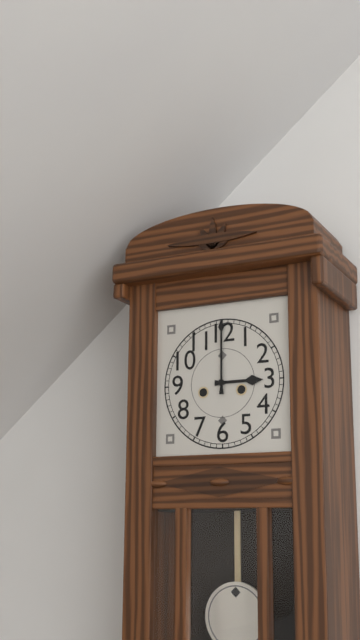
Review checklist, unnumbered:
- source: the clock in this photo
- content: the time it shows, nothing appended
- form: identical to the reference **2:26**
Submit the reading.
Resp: **3:00**
